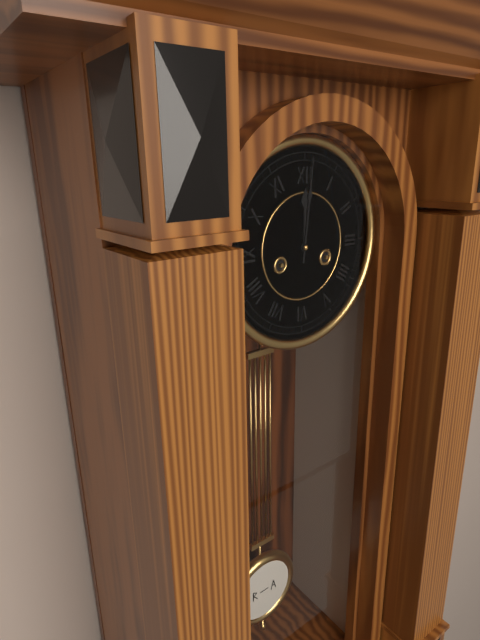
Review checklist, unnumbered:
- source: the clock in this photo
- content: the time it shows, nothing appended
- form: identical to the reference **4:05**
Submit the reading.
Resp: **12:01**
